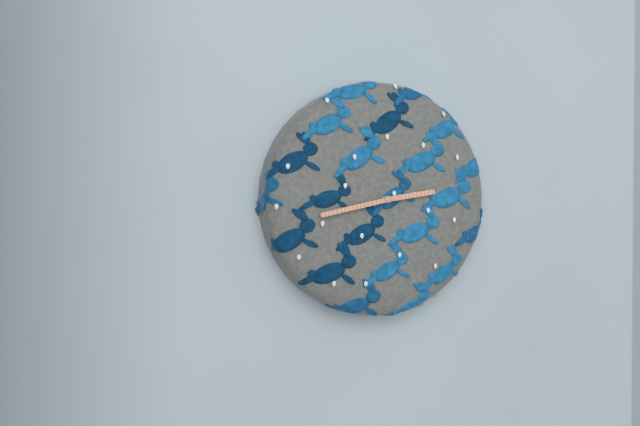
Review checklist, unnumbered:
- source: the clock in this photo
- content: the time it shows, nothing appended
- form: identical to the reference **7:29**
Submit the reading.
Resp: **2:43**
